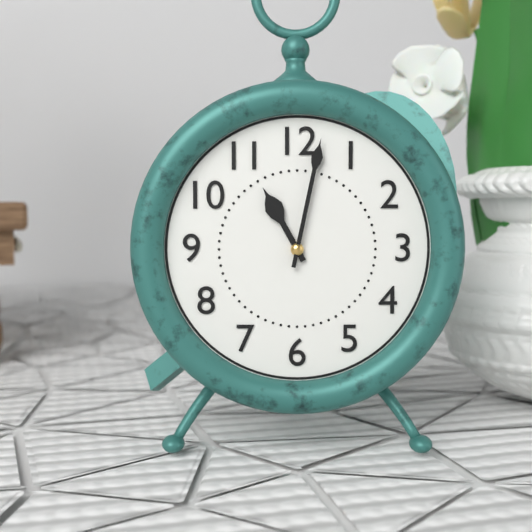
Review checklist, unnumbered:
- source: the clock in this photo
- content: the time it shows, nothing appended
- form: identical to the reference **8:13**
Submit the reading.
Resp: **11:02**
